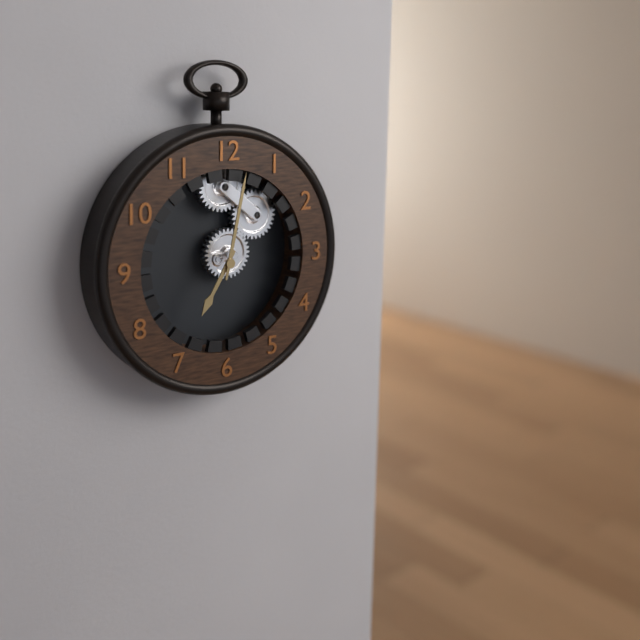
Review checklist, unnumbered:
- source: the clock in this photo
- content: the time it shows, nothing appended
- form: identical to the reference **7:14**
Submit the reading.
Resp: **7:02**
